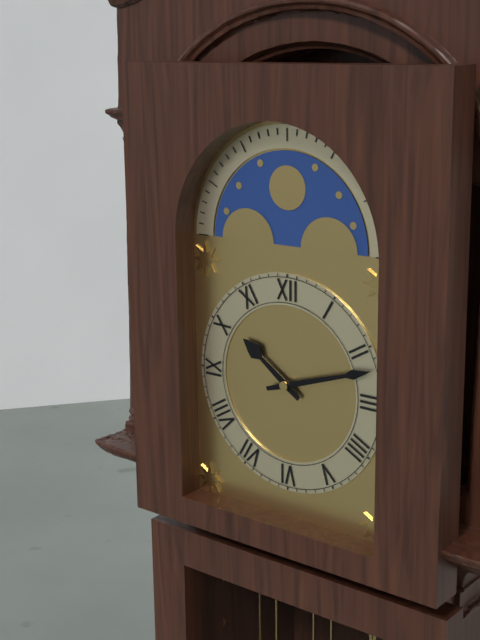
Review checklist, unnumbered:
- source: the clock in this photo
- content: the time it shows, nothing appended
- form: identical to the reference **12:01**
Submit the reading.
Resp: **10:12**
